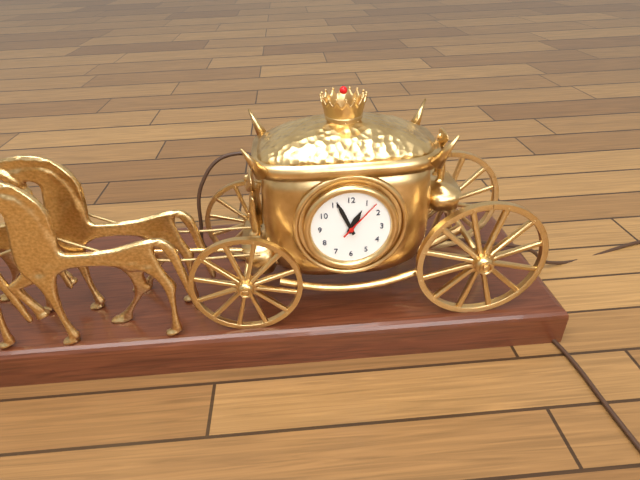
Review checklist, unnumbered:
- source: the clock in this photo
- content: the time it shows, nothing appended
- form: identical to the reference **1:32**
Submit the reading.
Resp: **12:56**
